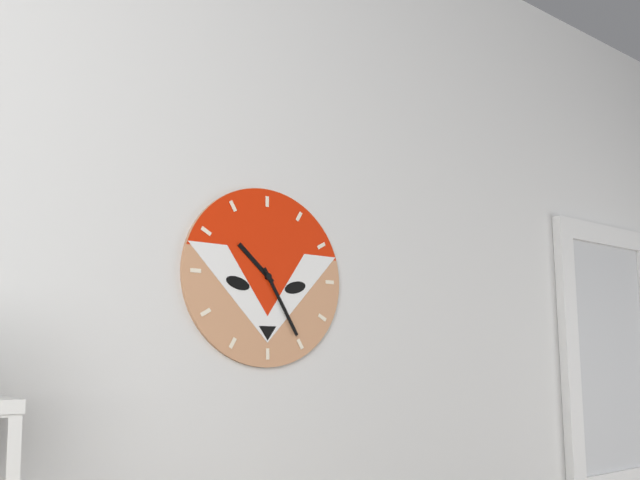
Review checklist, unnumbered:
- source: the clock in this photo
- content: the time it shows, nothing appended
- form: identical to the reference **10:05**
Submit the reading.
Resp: **10:25**
